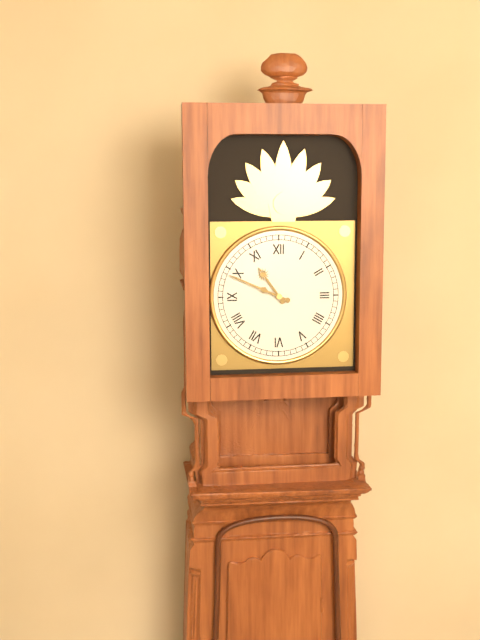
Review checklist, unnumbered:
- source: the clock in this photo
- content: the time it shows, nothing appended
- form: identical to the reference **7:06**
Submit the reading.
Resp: **10:49**
